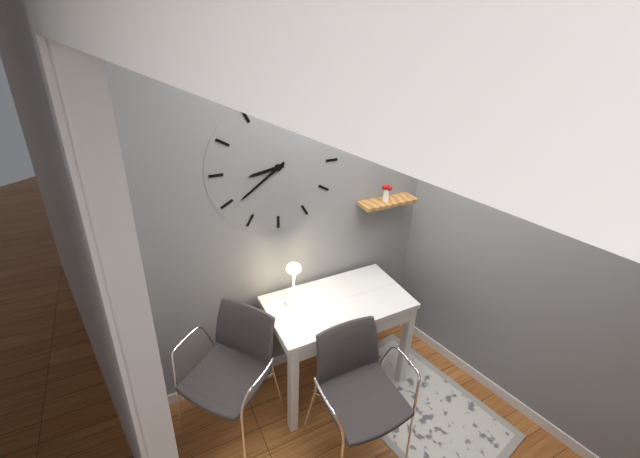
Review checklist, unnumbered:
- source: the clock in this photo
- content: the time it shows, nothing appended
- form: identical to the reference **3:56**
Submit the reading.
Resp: **8:39**
